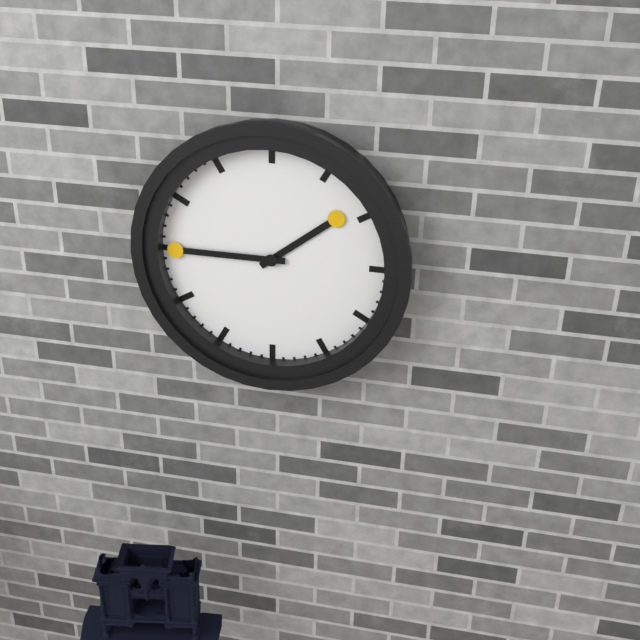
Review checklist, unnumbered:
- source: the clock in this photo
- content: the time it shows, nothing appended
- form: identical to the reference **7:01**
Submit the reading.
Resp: **1:45**
